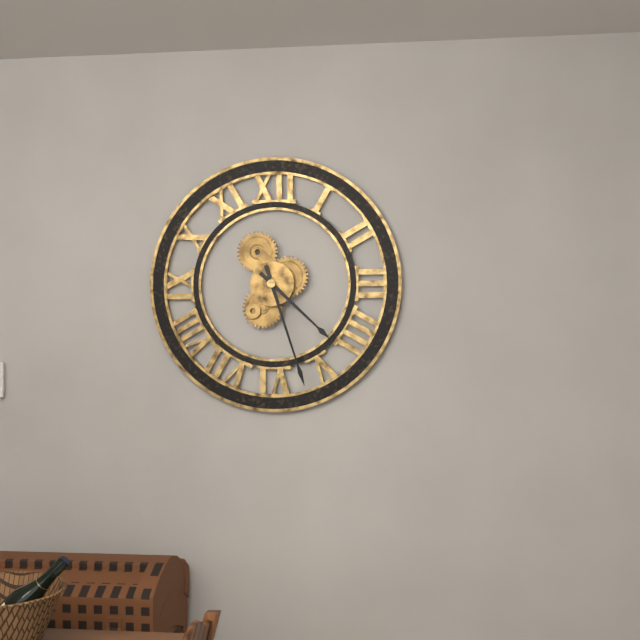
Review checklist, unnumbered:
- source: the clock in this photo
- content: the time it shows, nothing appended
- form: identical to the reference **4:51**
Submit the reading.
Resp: **4:27**
